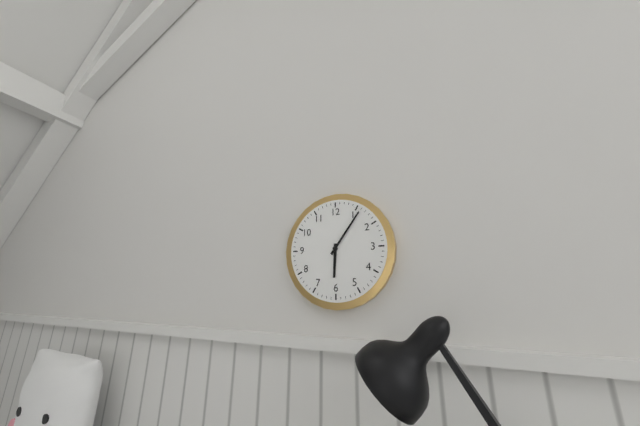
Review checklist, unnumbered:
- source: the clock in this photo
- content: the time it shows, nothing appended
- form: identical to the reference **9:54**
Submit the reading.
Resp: **6:06**
